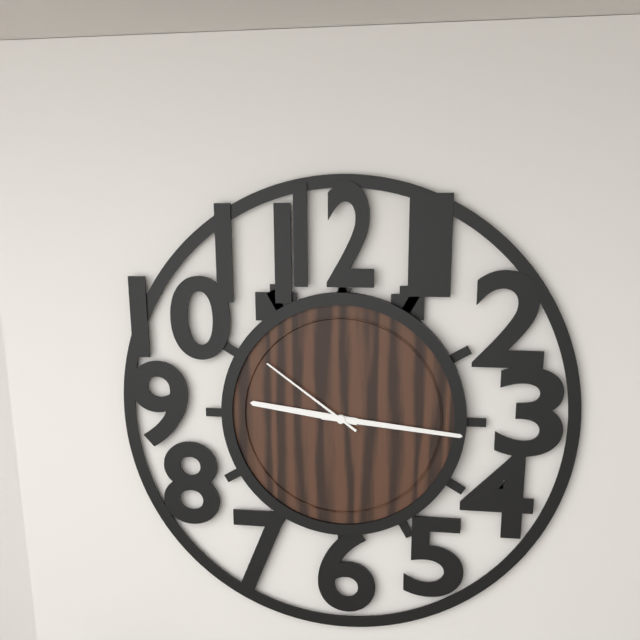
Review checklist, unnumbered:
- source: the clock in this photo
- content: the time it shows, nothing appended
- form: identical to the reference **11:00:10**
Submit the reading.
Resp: **9:16:51**
